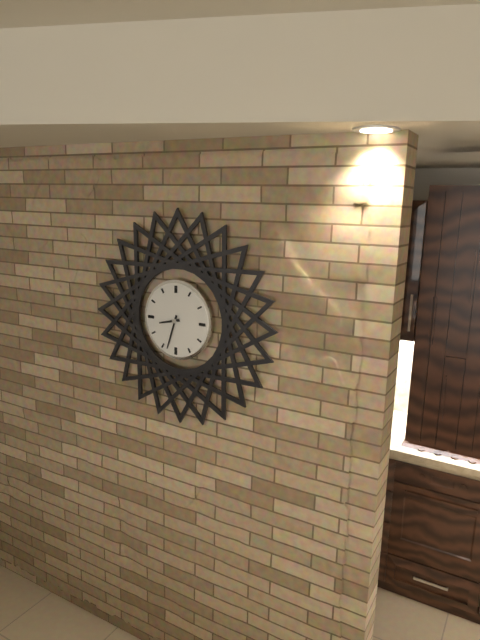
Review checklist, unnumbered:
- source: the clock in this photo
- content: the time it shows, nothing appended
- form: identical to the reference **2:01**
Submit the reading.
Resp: **8:33**
